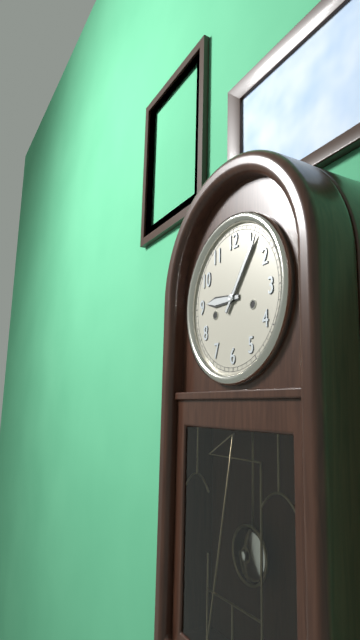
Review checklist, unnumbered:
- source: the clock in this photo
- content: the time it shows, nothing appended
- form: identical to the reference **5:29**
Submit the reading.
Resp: **9:06**
